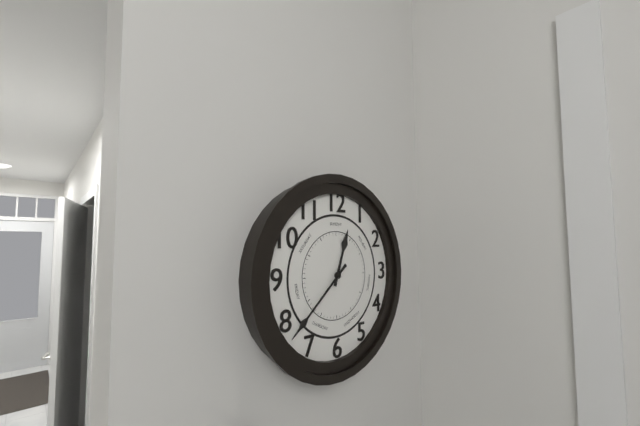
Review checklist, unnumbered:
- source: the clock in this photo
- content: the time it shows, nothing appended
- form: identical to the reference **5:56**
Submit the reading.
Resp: **12:38**
